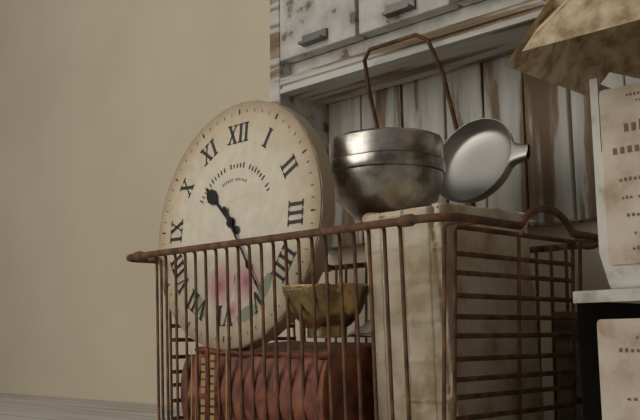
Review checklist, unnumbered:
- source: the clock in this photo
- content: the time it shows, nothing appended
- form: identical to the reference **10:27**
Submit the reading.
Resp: **10:24**
